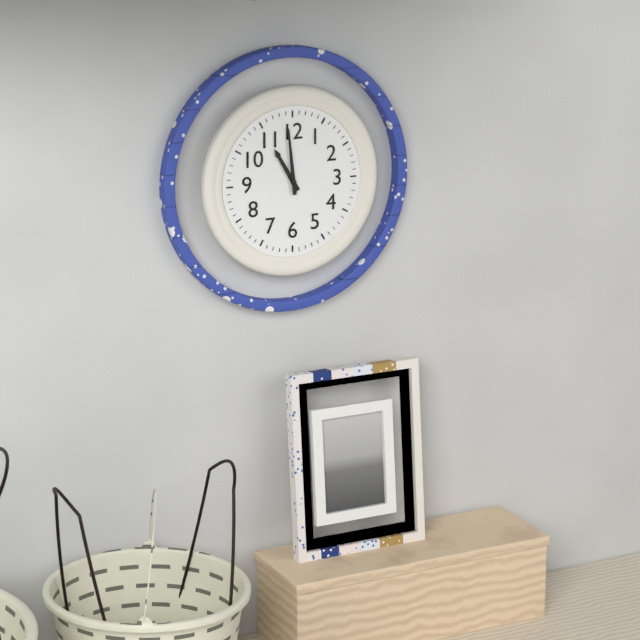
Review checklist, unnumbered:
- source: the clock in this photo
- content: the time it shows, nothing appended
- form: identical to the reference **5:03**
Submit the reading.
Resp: **10:59**
